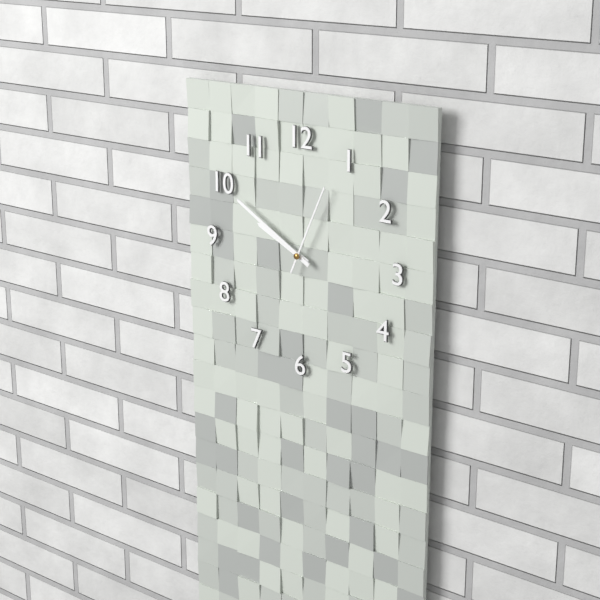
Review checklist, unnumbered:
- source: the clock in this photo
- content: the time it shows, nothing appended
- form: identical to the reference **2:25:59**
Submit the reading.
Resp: **9:50:04**
